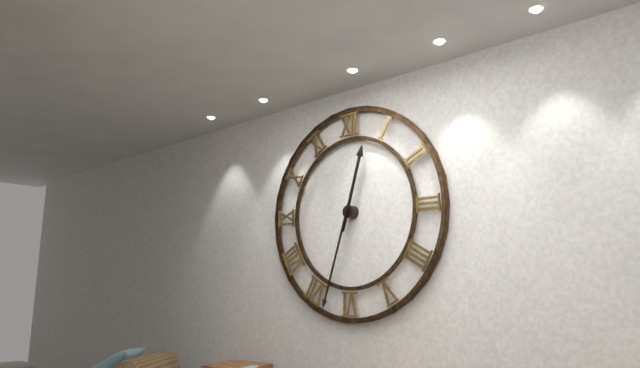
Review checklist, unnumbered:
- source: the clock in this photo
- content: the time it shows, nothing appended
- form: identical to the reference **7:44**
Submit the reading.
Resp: **12:33**
